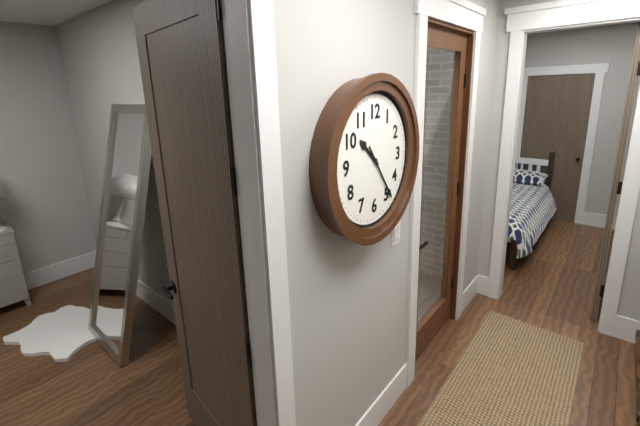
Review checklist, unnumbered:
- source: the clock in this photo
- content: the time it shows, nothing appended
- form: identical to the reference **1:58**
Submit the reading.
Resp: **10:24**
